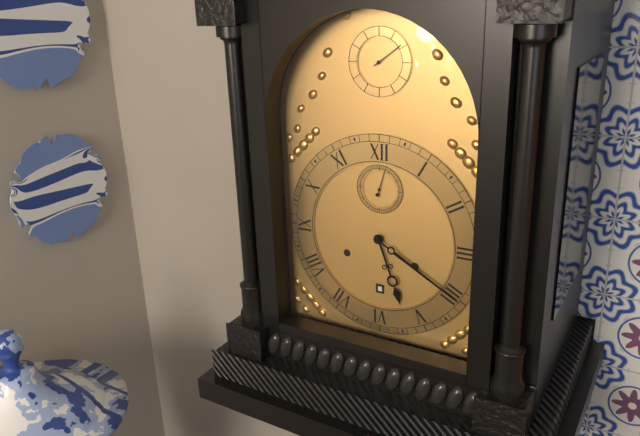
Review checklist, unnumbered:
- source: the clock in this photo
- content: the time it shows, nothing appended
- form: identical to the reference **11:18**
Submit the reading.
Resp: **5:20**
